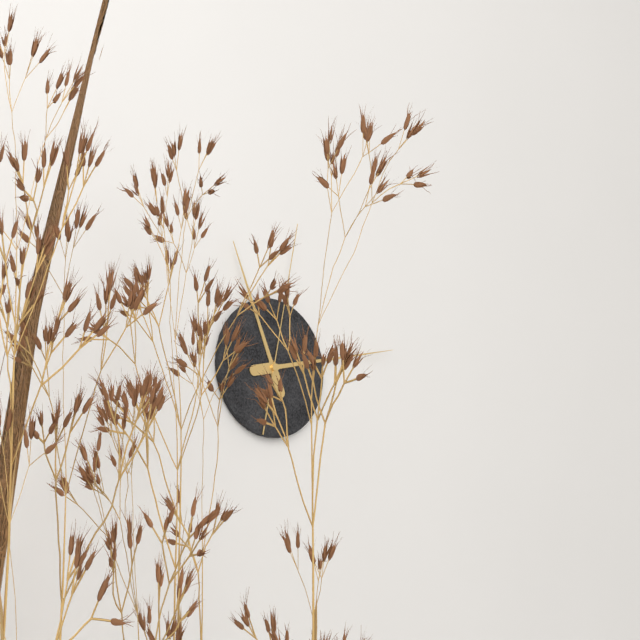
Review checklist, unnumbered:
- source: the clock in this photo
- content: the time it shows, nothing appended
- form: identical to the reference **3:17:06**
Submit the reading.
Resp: **11:13:02**
